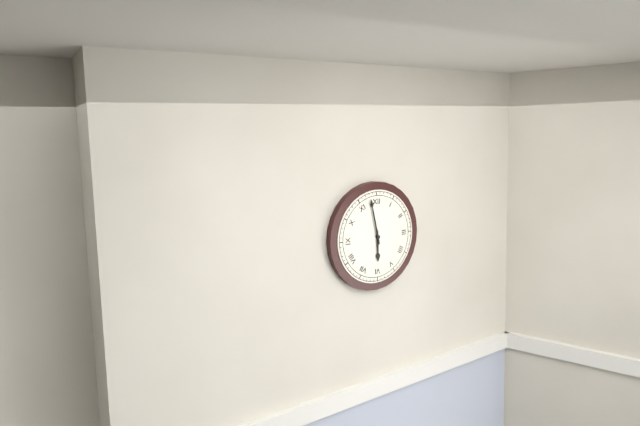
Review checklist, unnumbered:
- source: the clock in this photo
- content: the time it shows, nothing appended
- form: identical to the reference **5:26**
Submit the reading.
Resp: **5:58**
